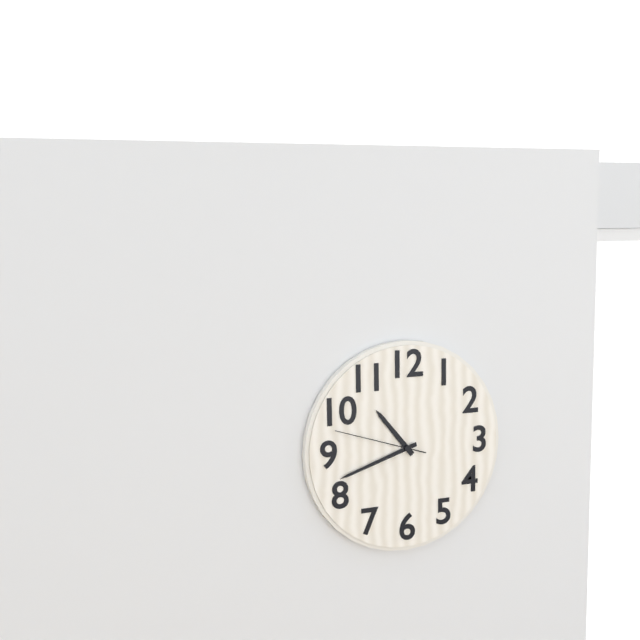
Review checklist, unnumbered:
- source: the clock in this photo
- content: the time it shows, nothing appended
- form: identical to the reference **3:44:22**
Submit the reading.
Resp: **10:42:48**
